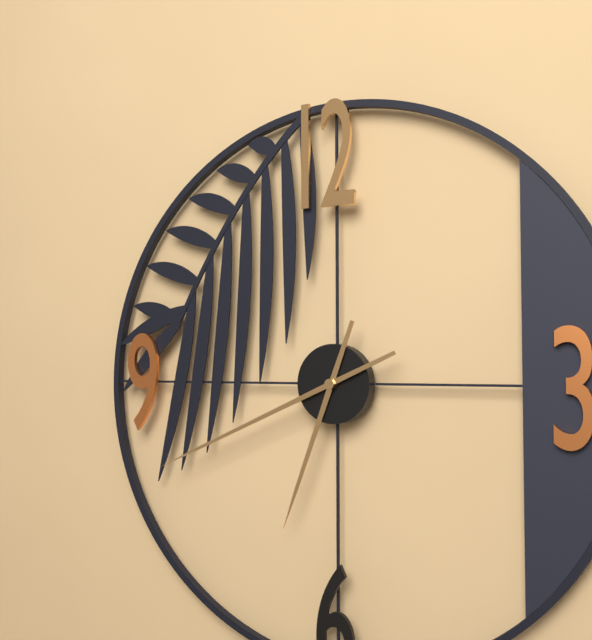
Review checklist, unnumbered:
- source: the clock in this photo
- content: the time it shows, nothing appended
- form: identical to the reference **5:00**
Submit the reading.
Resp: **6:41**
